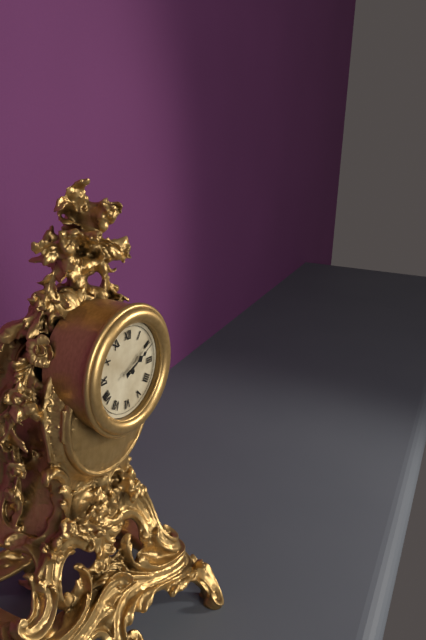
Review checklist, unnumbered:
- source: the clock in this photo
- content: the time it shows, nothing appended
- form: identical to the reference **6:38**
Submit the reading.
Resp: **2:10**
